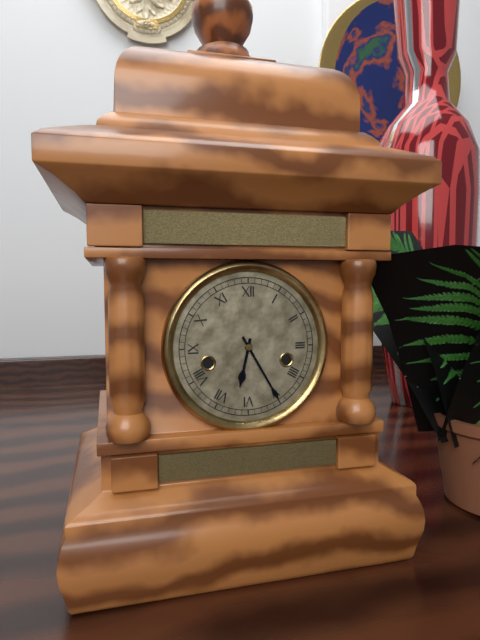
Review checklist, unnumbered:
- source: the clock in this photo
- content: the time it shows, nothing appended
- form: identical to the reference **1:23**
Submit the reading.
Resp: **6:25**
